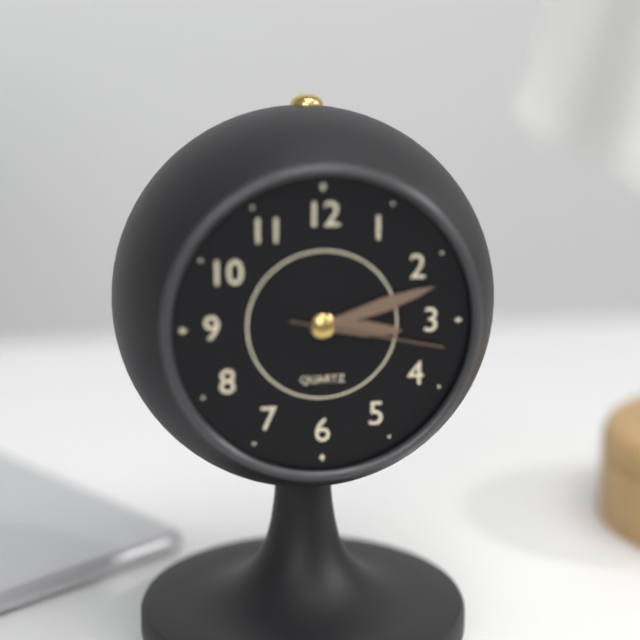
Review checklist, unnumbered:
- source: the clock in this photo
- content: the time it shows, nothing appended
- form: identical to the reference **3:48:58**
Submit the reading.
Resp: **3:12:17**
